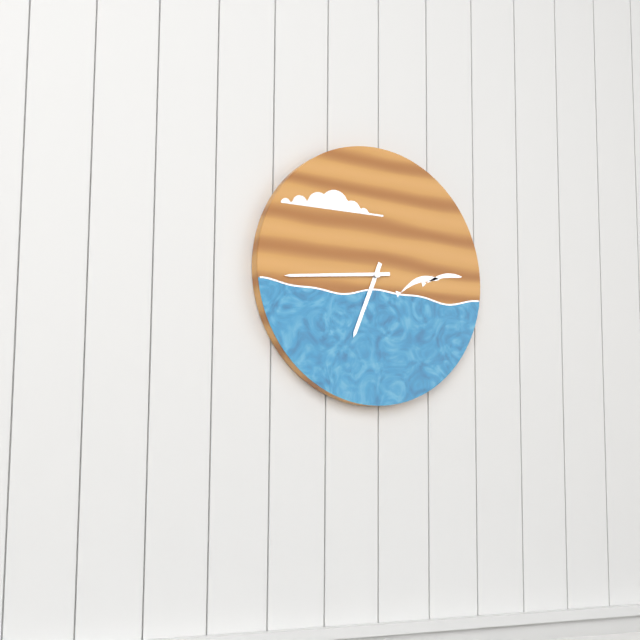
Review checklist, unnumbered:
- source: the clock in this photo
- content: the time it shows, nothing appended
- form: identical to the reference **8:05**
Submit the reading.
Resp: **6:44**
